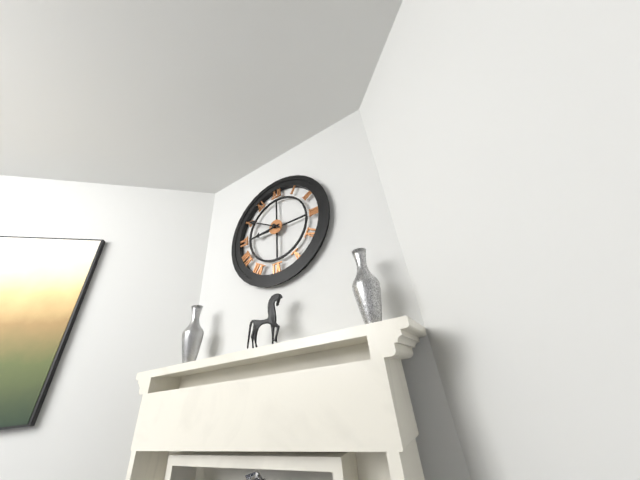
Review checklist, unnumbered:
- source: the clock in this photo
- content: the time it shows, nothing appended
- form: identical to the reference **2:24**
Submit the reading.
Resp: **8:50**
